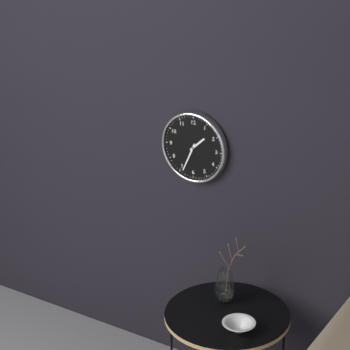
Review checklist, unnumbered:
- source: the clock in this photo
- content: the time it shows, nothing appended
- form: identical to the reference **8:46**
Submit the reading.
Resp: **1:34**
